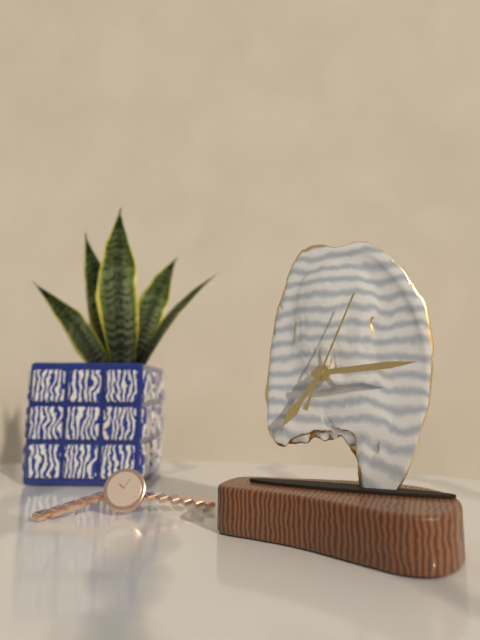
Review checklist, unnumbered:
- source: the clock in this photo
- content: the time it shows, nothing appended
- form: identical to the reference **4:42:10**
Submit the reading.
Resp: **7:14:04**
